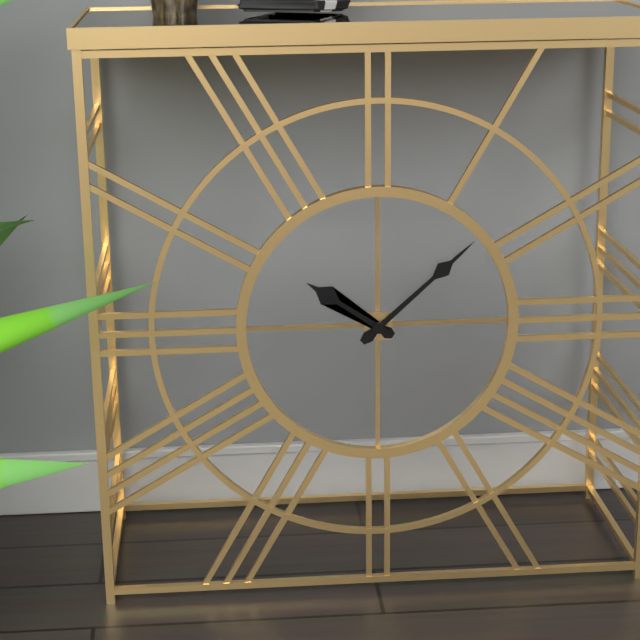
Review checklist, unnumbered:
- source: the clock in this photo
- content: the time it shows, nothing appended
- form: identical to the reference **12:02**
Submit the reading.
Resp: **10:08**
